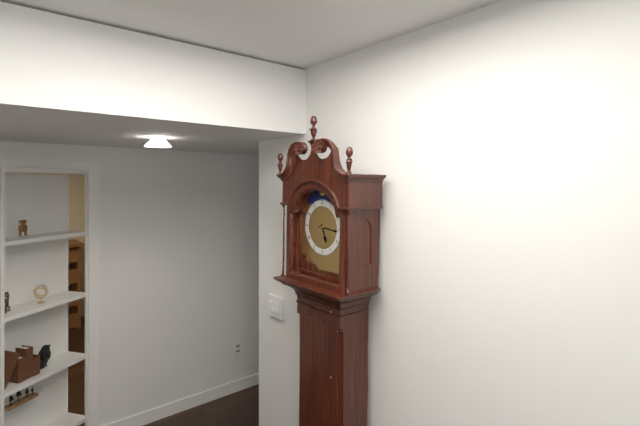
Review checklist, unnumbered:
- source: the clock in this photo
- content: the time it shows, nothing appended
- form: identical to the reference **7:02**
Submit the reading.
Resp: **5:16**
